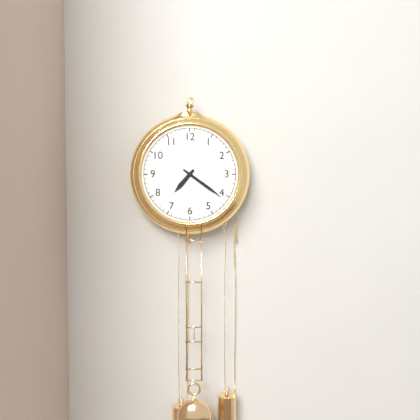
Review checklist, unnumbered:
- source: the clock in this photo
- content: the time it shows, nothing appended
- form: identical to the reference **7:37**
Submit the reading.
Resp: **7:21**
